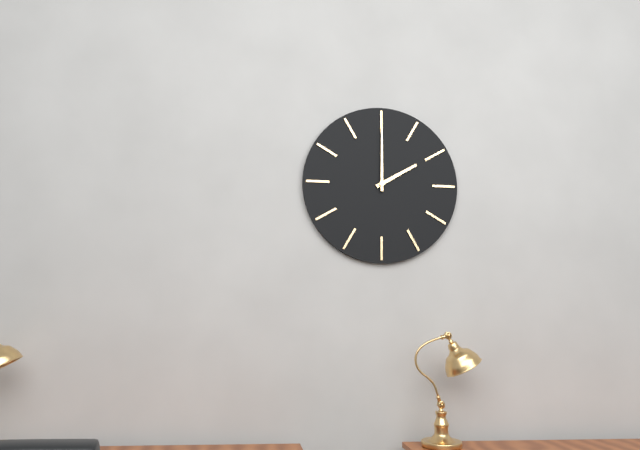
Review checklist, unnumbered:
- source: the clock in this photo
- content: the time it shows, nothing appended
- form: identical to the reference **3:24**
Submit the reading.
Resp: **2:00**
